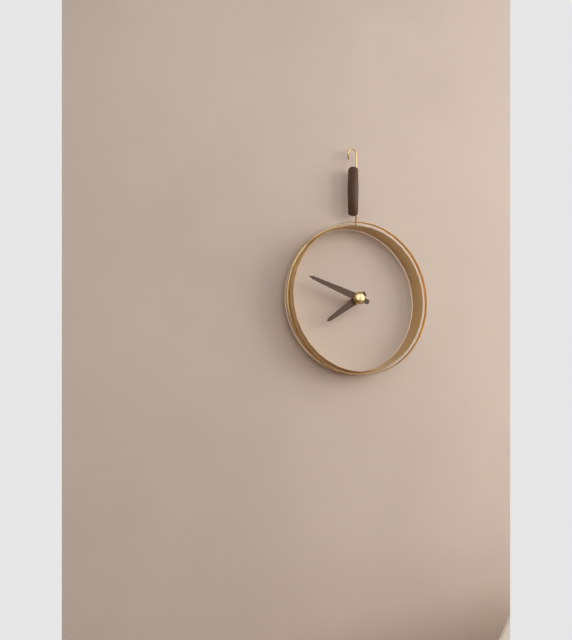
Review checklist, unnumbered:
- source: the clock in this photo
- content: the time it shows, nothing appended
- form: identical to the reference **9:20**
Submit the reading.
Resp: **7:48**
